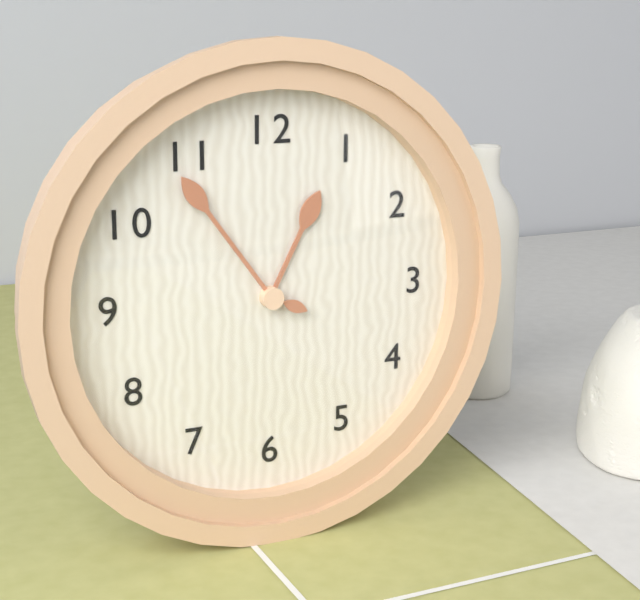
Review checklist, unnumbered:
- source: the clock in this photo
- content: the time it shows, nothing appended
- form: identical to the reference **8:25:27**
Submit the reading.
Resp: **12:54:19**
